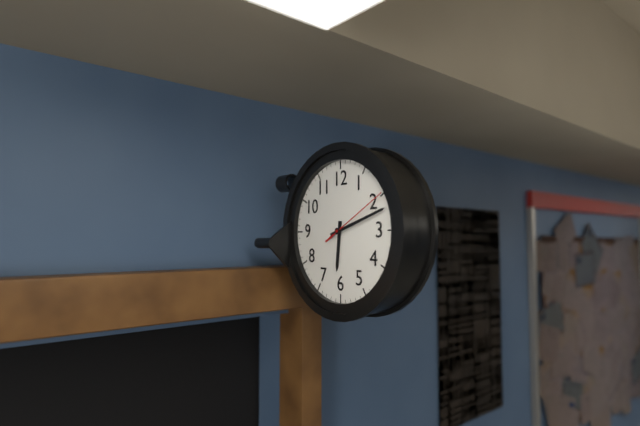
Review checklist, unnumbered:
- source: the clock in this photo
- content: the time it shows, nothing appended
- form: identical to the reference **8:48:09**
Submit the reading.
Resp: **6:12:10**
